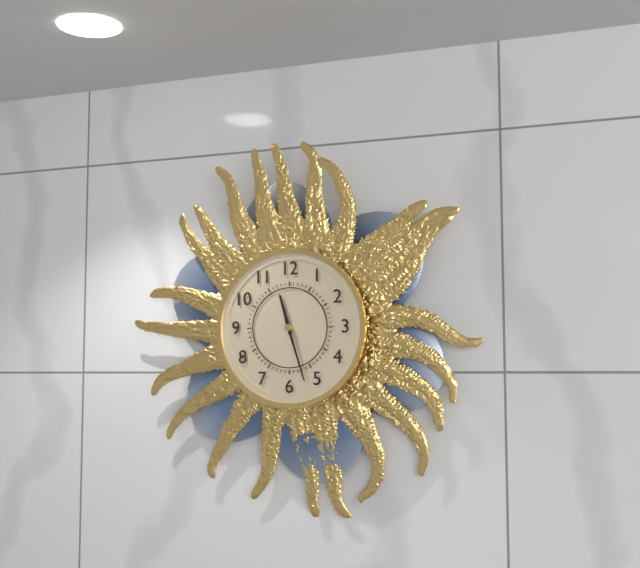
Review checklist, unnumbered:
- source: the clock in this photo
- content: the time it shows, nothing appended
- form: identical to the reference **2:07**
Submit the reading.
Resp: **11:27**
